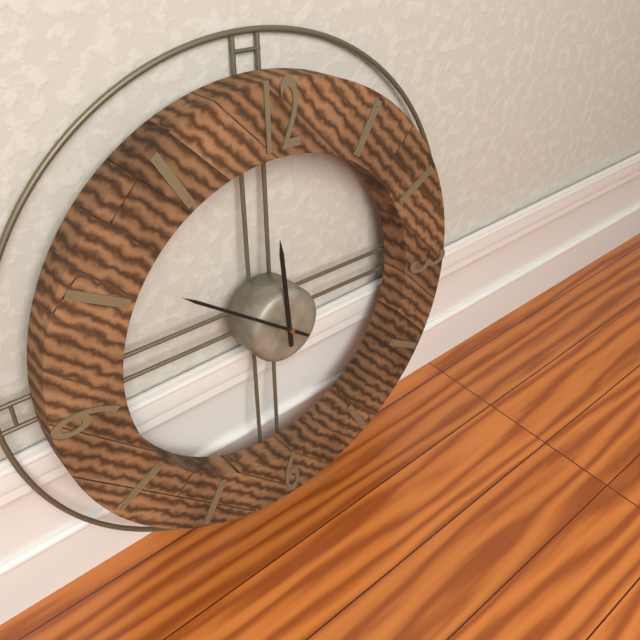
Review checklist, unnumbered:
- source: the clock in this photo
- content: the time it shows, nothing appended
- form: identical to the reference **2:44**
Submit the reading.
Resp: **11:51**
